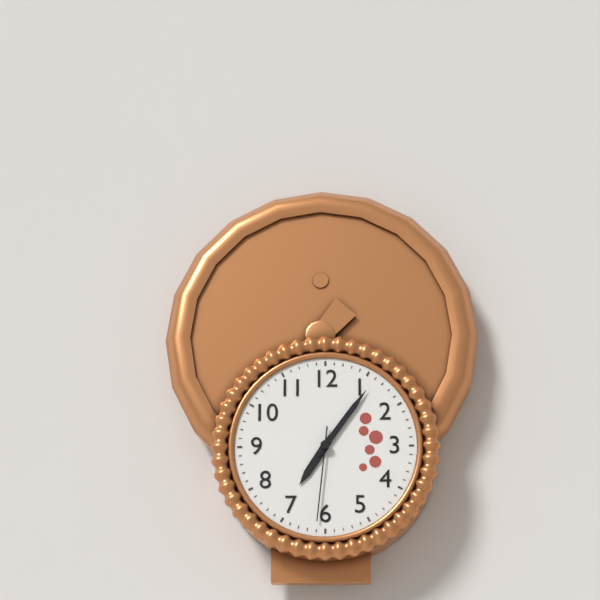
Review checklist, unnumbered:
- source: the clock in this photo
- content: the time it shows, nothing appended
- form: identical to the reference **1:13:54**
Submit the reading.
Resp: **7:06:31**
